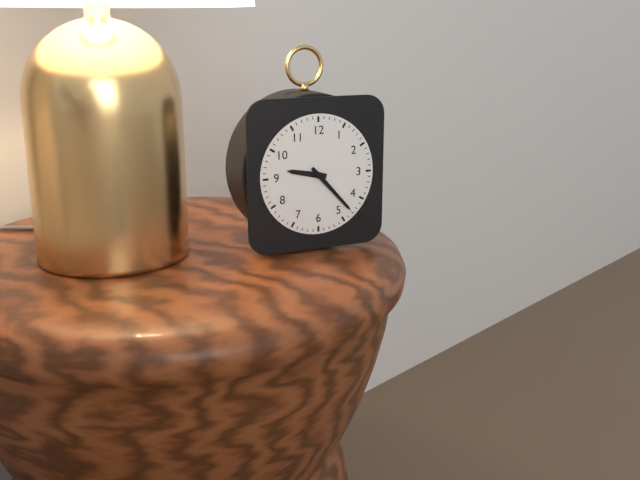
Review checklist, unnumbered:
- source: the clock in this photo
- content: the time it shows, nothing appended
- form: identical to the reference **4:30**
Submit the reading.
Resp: **9:23**
